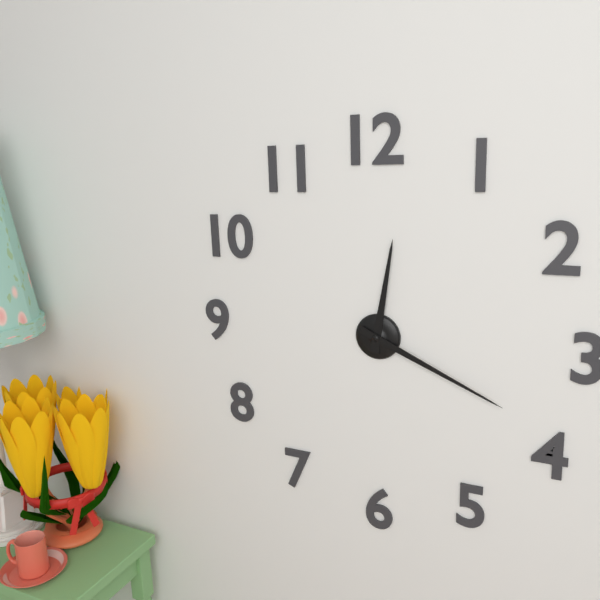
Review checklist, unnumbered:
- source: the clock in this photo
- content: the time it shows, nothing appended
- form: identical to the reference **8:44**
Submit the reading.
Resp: **12:19**
